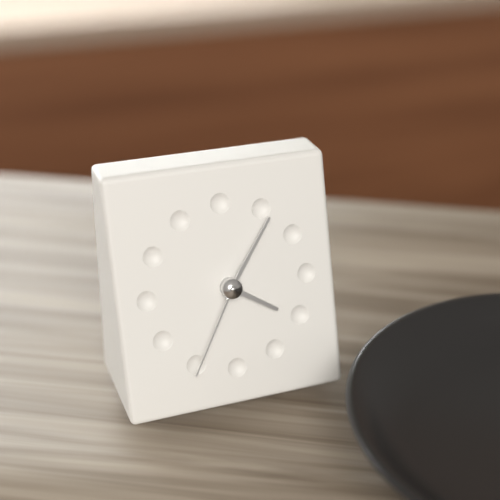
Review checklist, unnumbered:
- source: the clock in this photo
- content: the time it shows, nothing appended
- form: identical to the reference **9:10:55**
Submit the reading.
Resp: **4:06:35**
